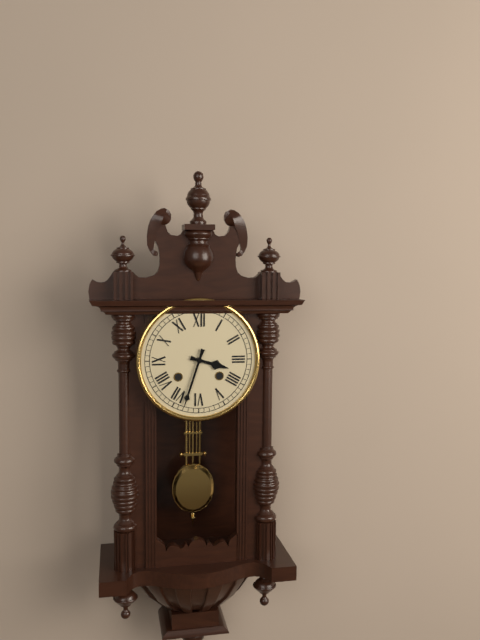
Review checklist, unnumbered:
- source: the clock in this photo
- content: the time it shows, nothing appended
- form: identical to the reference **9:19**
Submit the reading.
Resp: **3:33**
